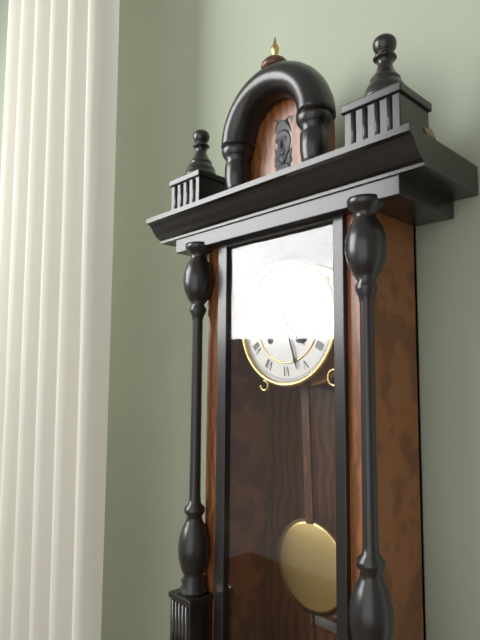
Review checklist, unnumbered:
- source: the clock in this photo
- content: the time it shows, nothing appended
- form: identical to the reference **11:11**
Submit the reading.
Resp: **4:27**
